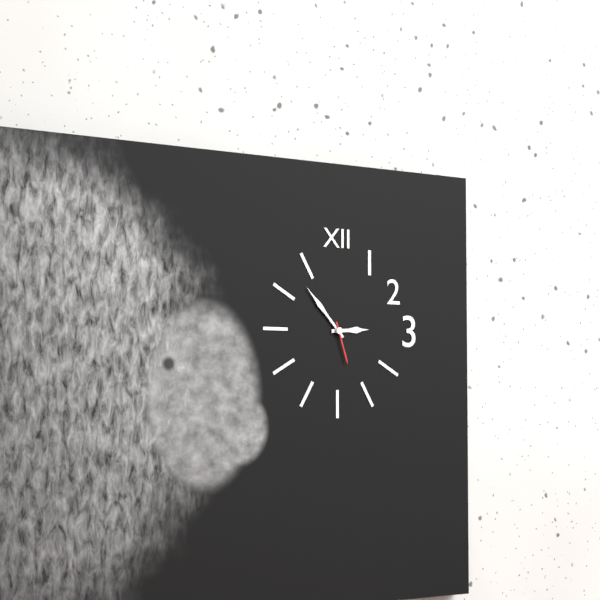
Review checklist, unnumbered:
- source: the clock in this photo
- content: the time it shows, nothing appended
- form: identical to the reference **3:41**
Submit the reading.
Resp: **2:53**
